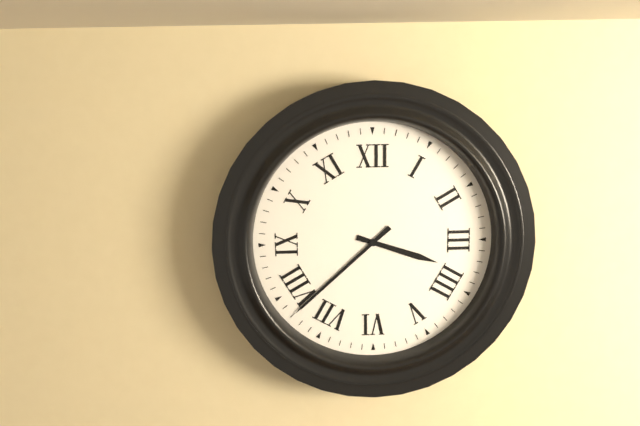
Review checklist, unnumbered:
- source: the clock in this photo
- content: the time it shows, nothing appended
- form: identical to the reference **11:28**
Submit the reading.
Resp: **3:38**
